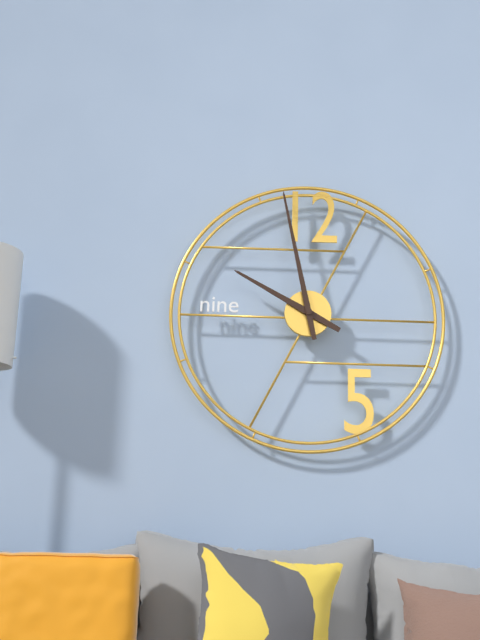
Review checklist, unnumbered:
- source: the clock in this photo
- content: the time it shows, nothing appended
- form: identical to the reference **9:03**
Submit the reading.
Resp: **9:58**
